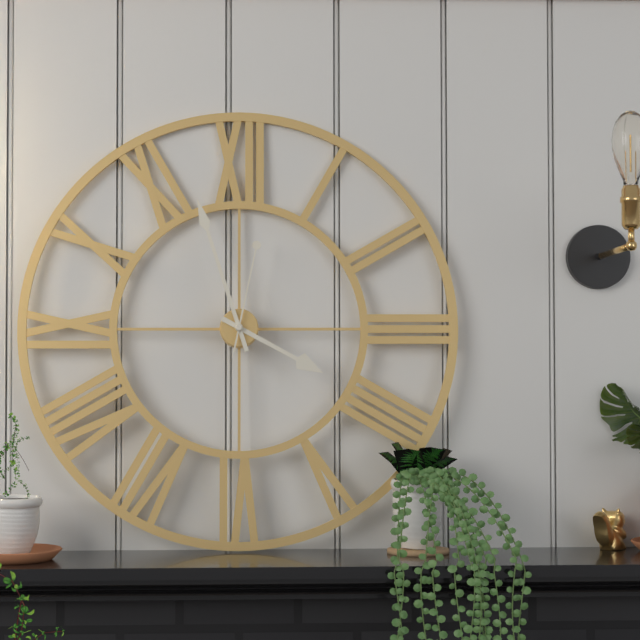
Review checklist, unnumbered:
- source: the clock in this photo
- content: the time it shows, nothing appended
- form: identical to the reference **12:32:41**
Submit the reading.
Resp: **3:57:02**
